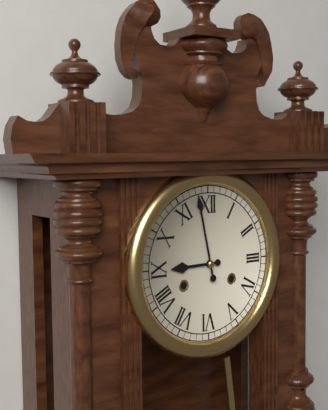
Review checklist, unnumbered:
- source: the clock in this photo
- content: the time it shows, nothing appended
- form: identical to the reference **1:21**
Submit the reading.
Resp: **8:58**
